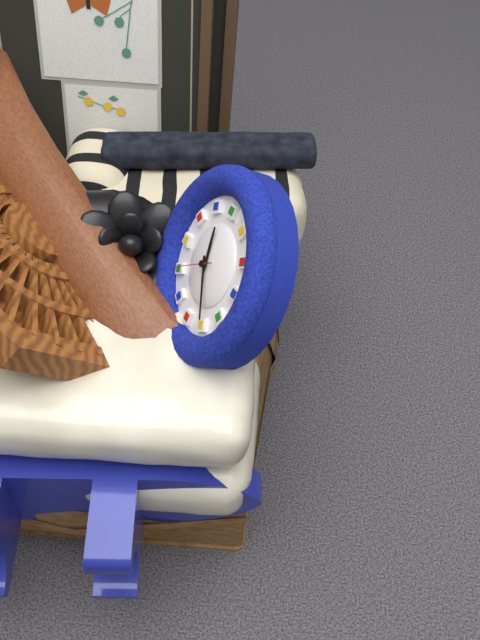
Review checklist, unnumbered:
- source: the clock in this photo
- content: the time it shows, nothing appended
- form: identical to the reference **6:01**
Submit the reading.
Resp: **12:29**
